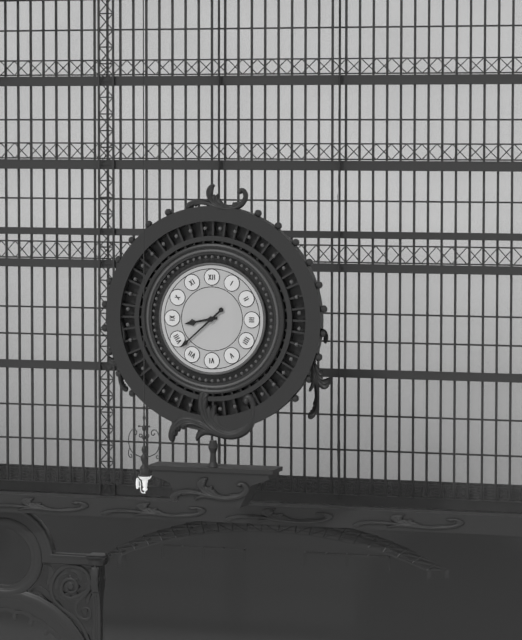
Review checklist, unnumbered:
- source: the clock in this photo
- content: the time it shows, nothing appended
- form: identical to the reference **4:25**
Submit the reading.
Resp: **8:38**
